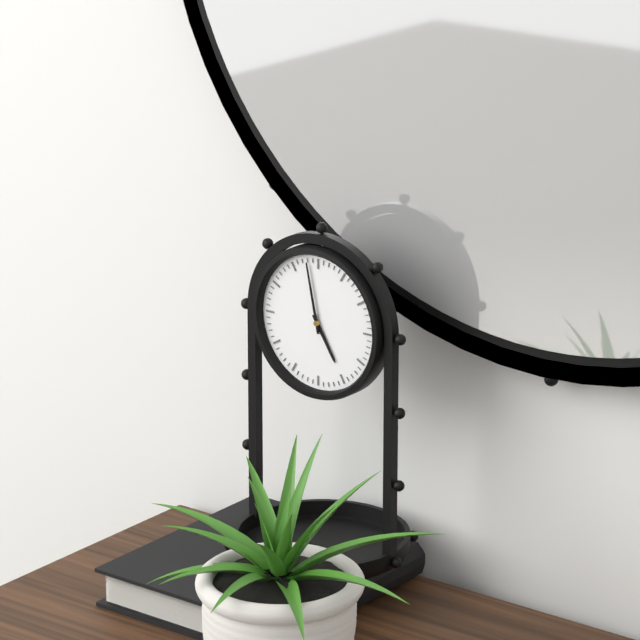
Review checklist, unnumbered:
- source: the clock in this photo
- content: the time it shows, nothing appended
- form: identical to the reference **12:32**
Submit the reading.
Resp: **4:58**
